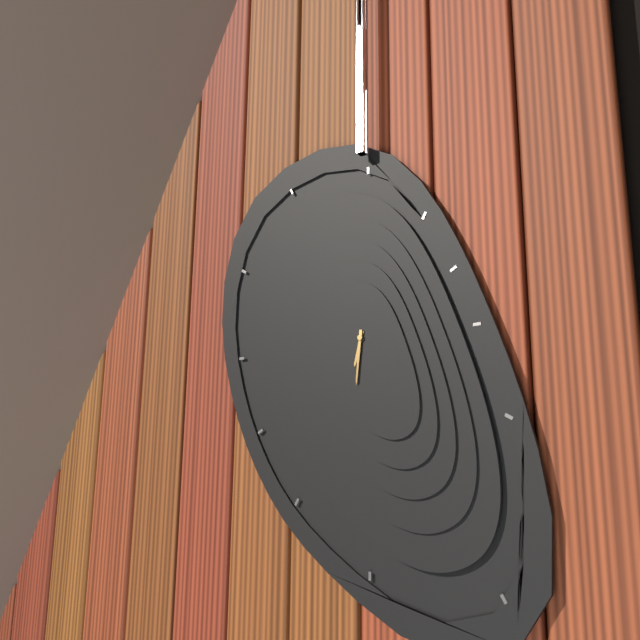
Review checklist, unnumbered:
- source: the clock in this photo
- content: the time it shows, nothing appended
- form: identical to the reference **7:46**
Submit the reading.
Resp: **6:31**
